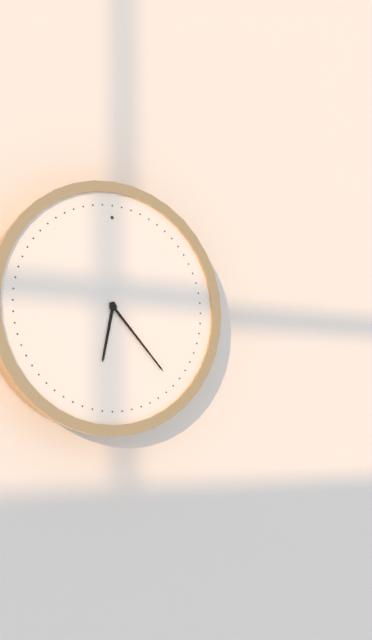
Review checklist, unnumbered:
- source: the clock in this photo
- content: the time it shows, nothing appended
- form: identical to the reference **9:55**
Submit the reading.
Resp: **6:23**
